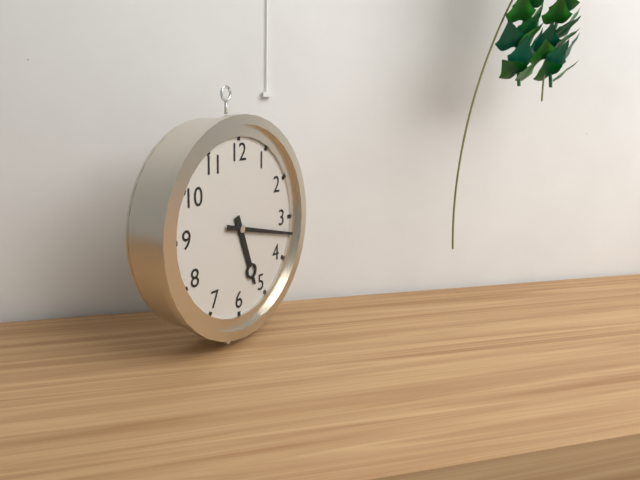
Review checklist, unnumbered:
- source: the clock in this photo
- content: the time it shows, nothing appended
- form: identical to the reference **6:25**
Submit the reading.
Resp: **5:17**
